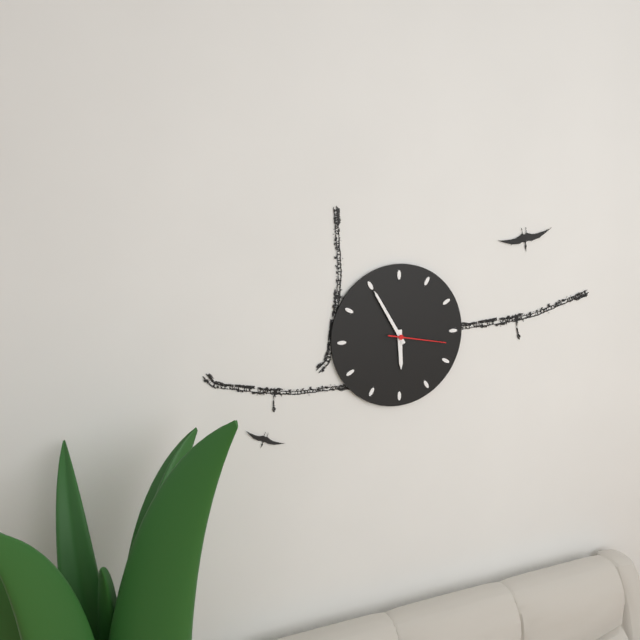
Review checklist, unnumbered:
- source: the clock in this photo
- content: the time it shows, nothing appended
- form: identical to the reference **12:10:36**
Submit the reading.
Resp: **5:55:17**
